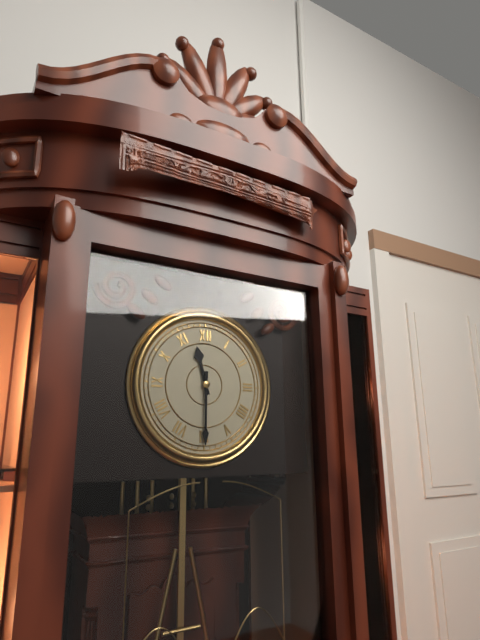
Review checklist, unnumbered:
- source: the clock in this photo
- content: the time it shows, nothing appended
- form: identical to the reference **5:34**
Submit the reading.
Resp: **11:30**
